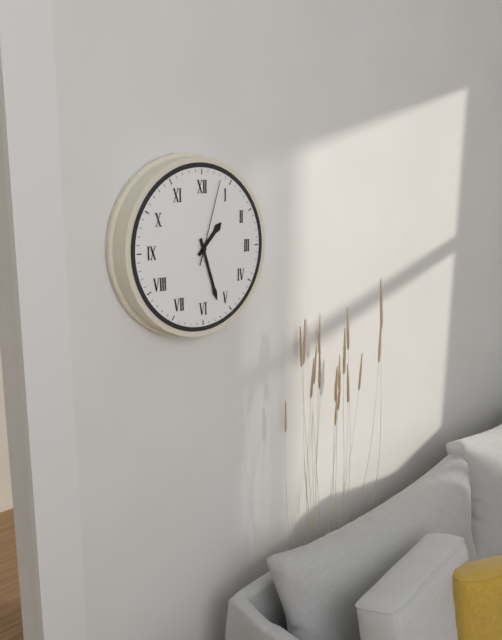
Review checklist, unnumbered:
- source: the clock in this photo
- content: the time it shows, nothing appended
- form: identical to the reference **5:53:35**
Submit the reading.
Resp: **1:27:03**
